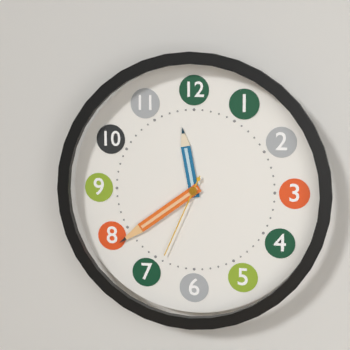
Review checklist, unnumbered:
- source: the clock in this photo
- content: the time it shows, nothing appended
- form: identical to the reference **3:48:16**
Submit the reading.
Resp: **11:39:34**
